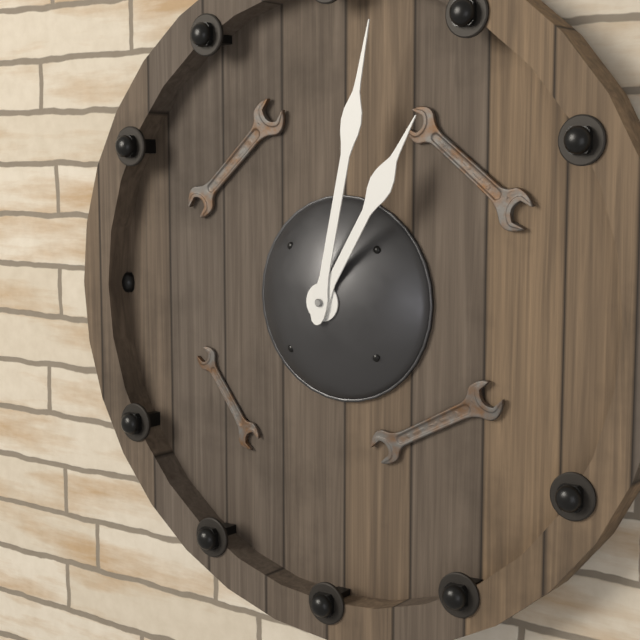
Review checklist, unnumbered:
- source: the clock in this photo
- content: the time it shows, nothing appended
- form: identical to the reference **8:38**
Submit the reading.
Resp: **1:02**
